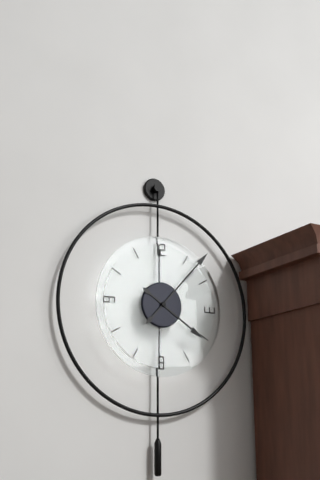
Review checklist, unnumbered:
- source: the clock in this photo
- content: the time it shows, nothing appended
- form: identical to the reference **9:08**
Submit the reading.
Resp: **4:07**
